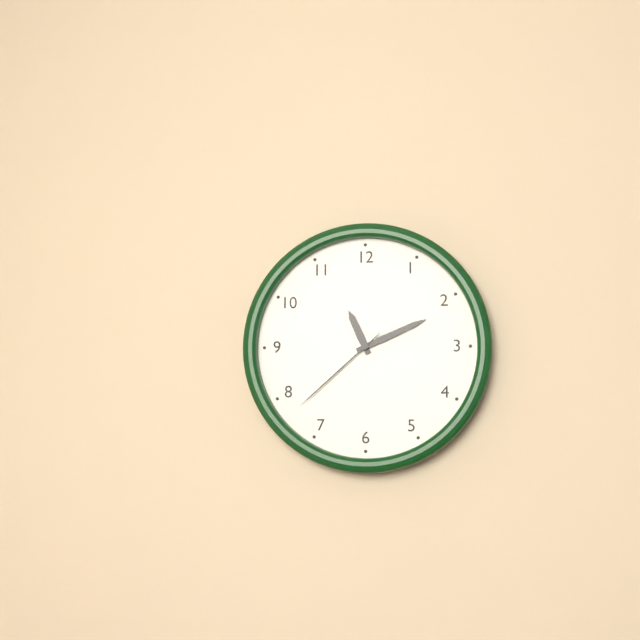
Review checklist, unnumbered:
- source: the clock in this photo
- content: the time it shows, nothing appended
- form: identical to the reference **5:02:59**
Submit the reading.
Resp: **11:11:38**
